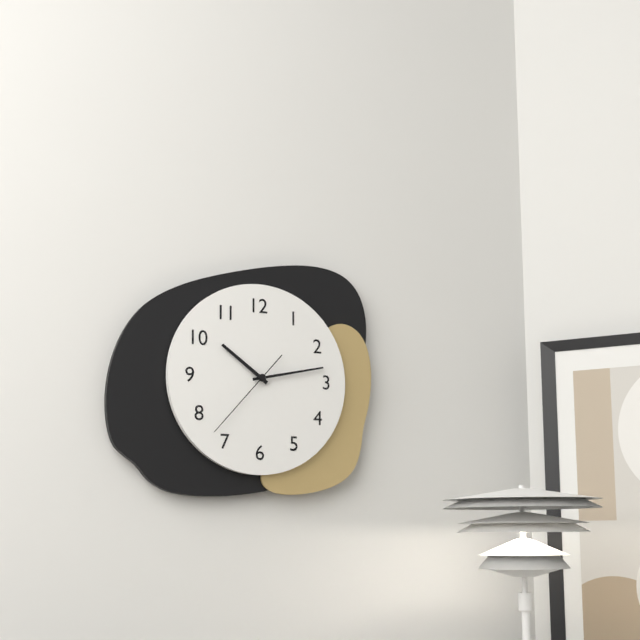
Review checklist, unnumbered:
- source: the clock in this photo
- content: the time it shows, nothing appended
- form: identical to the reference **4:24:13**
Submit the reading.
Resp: **10:13:37**
